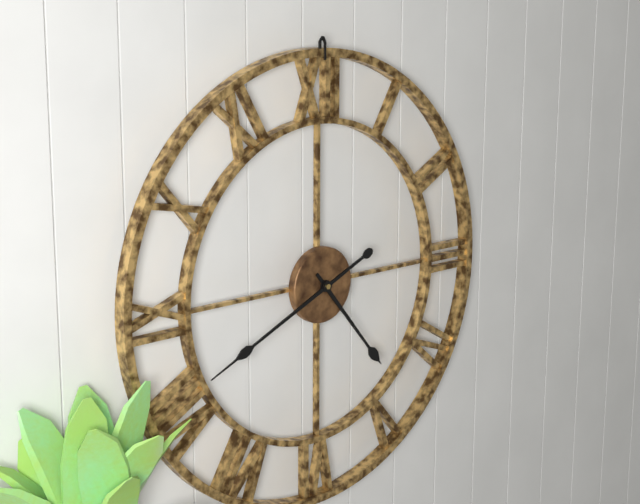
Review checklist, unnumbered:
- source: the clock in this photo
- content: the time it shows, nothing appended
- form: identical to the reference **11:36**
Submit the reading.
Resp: **4:41**
